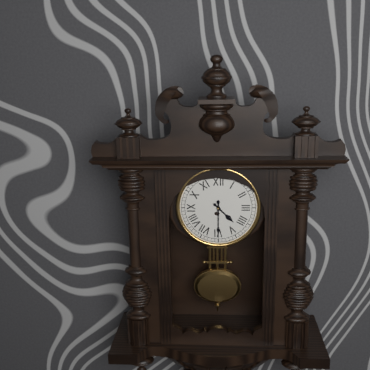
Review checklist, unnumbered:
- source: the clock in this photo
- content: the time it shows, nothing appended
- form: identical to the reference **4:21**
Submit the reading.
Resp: **4:30**
